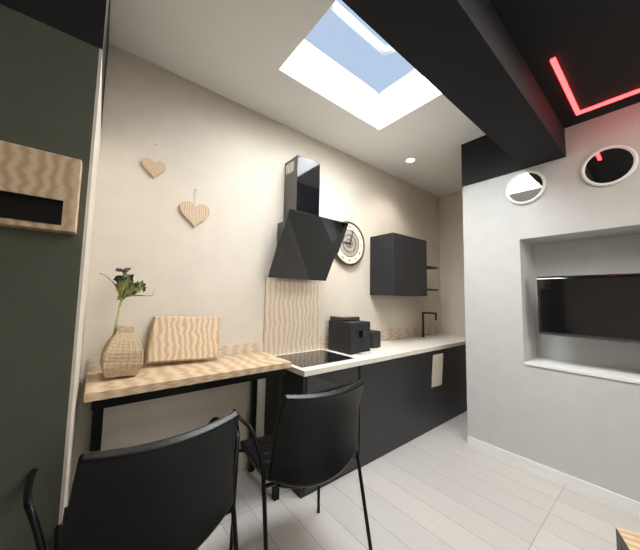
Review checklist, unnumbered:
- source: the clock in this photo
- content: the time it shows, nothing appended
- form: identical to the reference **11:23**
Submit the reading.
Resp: **9:03**
